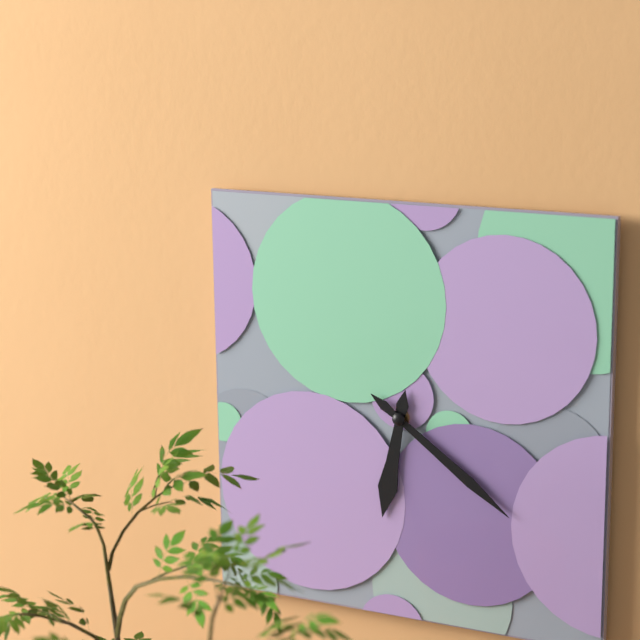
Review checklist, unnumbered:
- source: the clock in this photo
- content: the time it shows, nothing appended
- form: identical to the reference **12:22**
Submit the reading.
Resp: **6:21**
